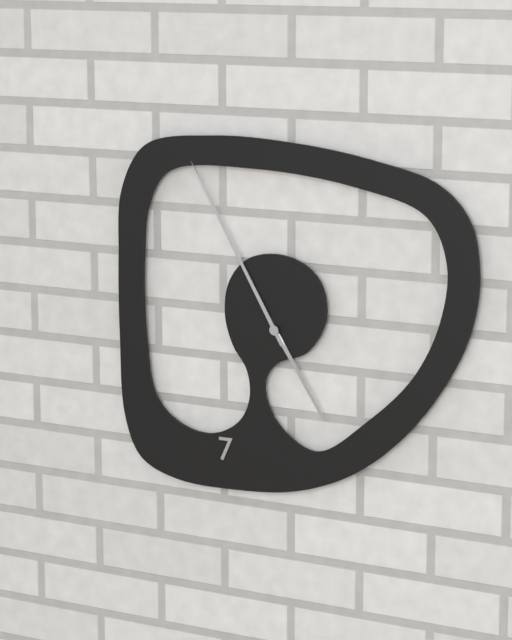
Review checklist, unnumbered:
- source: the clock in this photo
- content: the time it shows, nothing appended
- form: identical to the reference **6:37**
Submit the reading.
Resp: **4:55**
